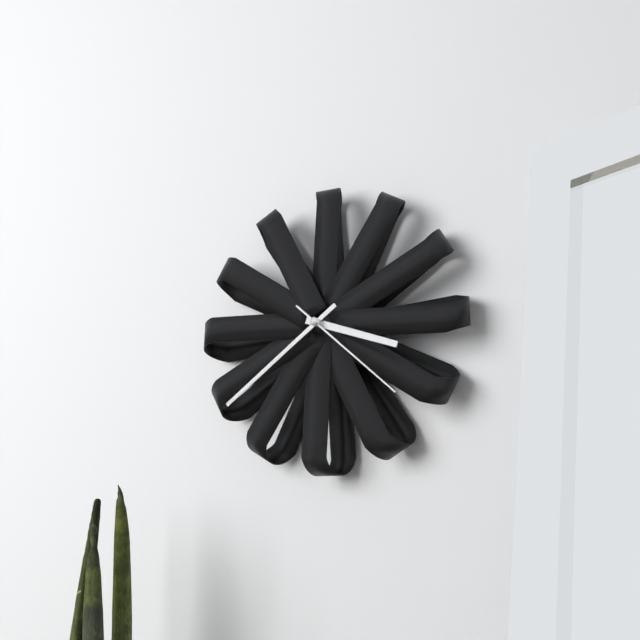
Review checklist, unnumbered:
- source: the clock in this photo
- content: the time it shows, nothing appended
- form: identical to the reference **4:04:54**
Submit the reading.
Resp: **3:39:22**
